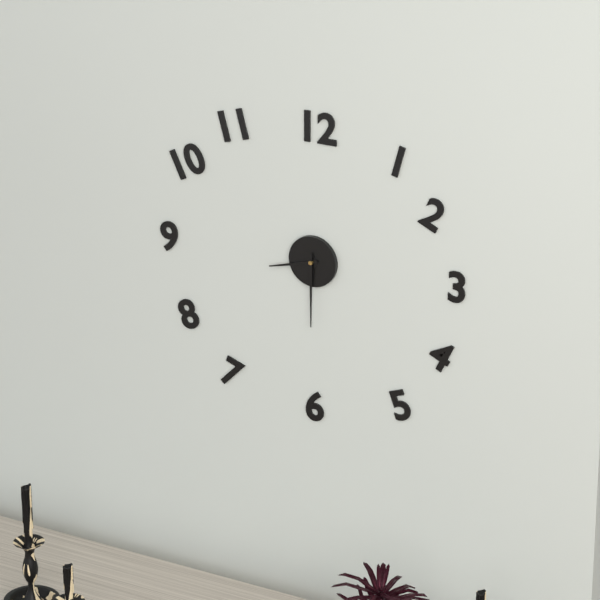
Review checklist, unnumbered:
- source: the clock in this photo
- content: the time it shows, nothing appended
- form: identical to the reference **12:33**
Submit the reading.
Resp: **8:30**
